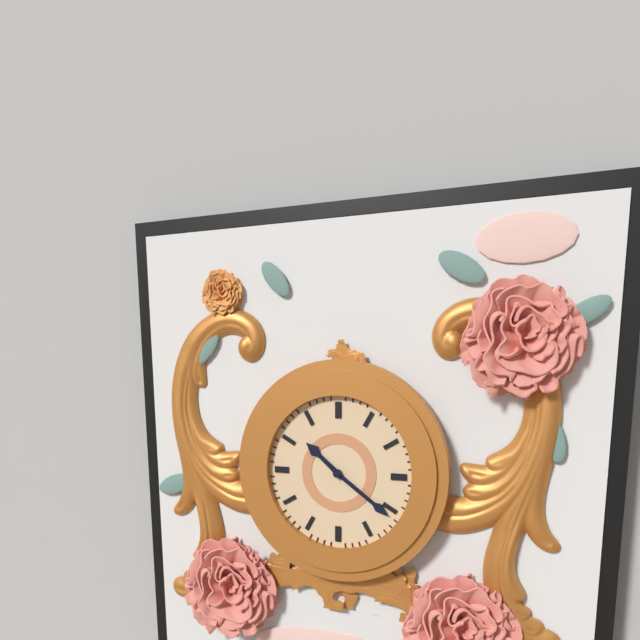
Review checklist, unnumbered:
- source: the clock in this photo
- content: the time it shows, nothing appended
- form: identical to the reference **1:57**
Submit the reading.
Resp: **10:21**
